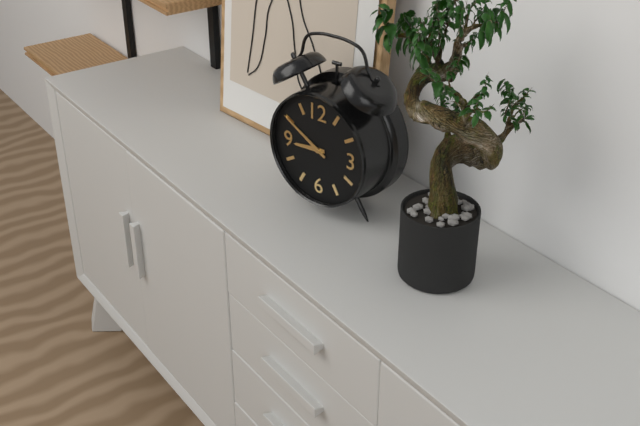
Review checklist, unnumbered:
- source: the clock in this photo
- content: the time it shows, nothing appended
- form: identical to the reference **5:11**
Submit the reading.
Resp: **8:50**
